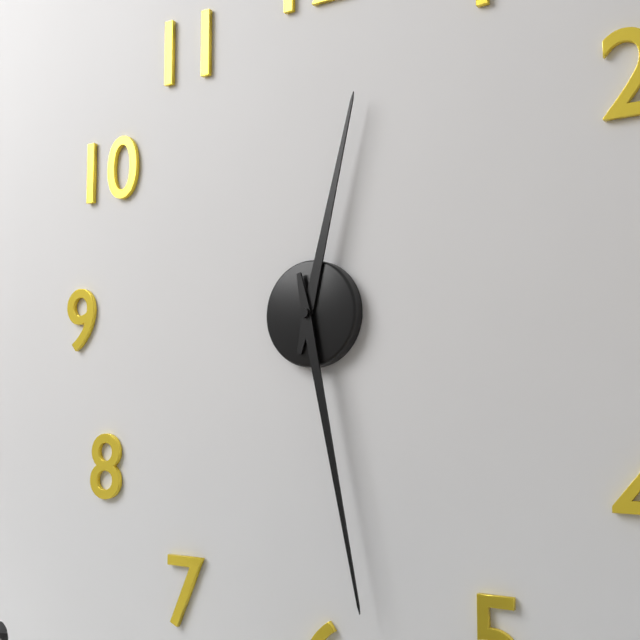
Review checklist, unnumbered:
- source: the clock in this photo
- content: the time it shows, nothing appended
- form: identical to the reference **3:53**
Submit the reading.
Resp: **12:28**
